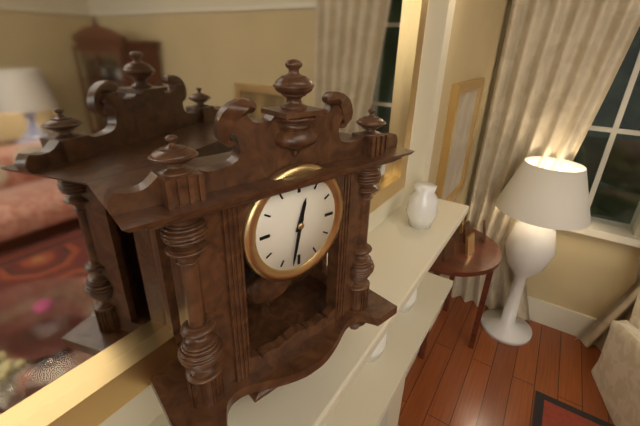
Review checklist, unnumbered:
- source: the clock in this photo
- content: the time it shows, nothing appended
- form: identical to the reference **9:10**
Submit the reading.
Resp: **12:32**
